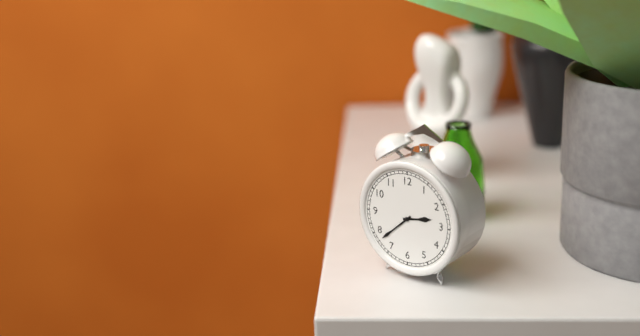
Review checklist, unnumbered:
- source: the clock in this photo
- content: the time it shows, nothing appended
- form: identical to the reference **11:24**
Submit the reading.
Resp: **2:38**
